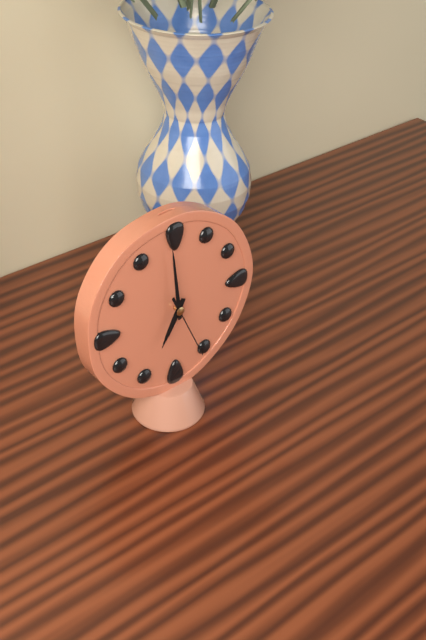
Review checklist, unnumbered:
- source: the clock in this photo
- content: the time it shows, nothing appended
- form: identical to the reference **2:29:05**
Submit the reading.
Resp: **6:59:26**
